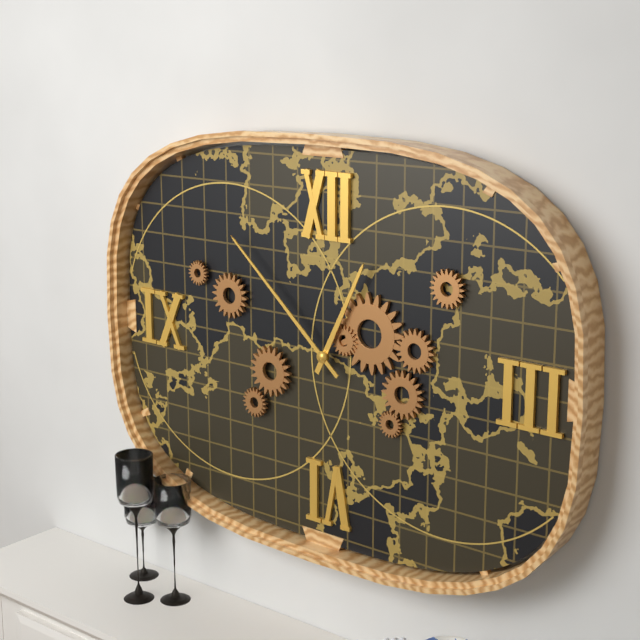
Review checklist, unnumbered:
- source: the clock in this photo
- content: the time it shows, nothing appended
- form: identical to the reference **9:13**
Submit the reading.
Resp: **12:52**
